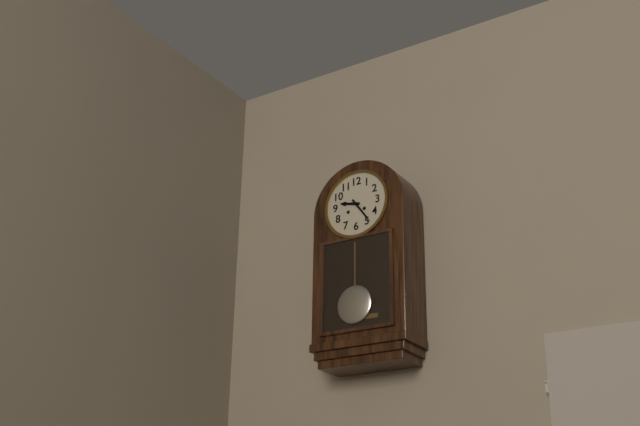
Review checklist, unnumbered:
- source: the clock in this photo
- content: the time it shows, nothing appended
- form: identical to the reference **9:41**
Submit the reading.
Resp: **9:24**
